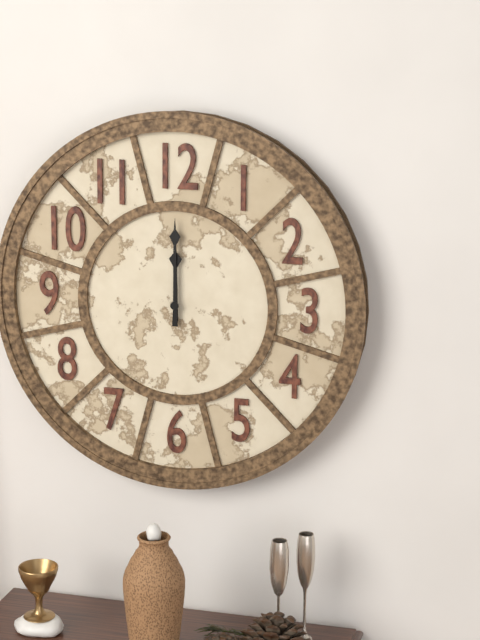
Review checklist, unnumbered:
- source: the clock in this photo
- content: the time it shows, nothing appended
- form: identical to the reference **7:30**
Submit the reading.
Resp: **12:00**
